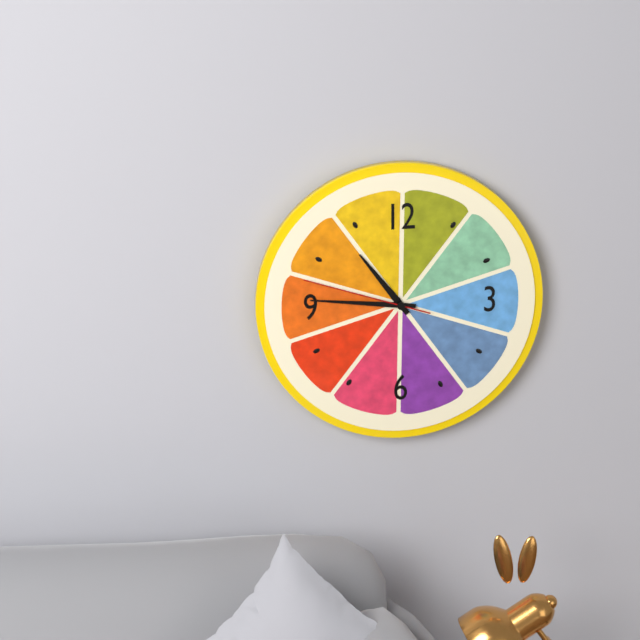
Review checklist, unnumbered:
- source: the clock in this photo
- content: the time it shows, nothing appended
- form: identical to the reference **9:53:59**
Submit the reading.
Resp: **10:46:48**
